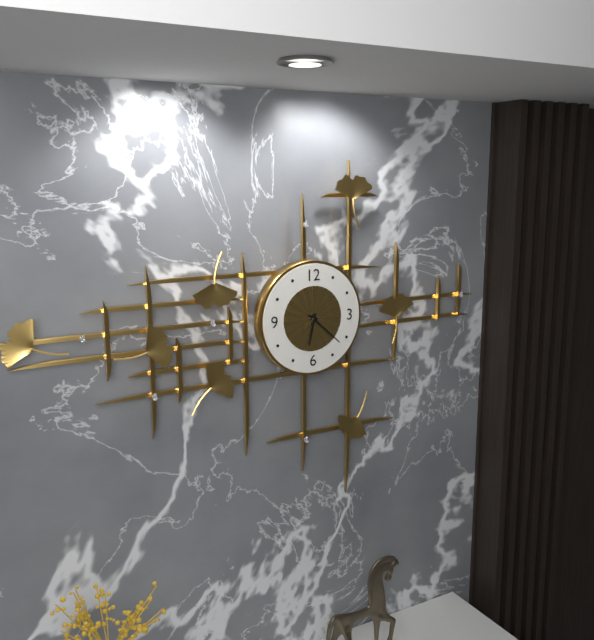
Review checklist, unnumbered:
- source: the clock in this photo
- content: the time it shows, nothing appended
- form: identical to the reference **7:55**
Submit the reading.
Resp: **6:22**
